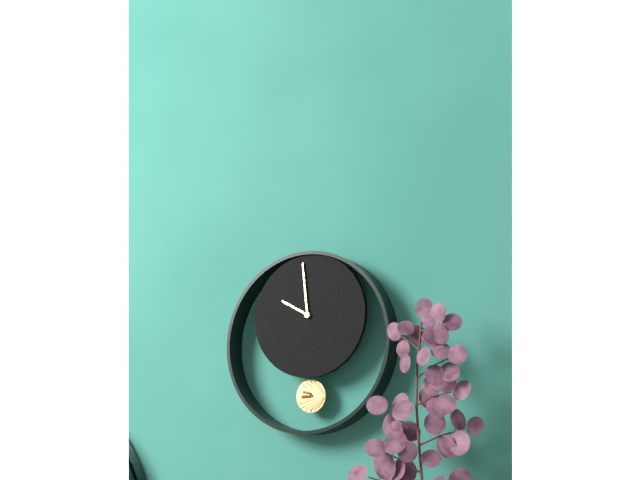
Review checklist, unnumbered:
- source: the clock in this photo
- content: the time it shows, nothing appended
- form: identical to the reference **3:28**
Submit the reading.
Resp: **9:59**
